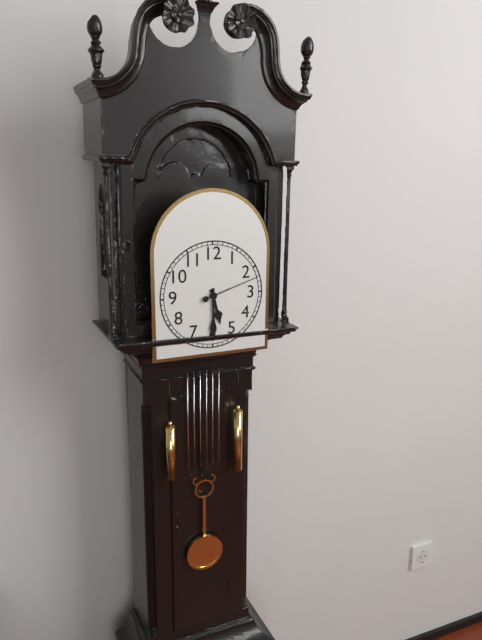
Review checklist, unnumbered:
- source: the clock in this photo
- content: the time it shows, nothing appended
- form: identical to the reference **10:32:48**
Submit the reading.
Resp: **5:30:12**
